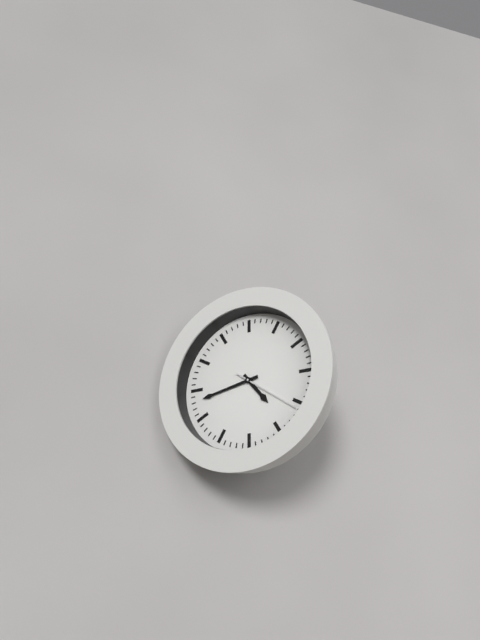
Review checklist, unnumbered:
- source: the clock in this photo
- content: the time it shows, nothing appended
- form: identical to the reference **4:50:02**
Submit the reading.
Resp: **4:43:21**
